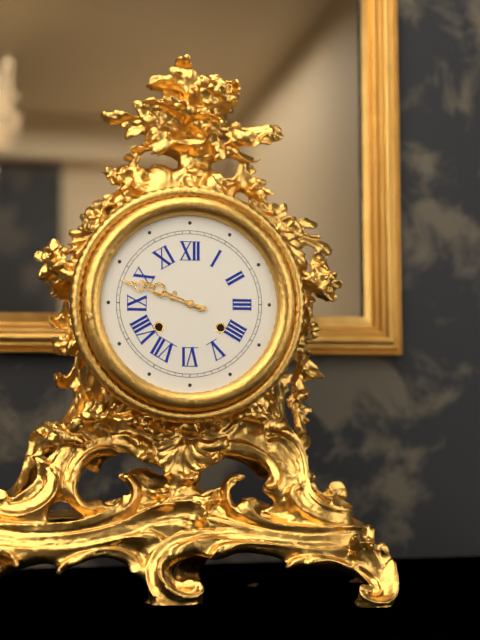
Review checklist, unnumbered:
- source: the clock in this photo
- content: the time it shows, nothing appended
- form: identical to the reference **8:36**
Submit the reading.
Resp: **9:48**
